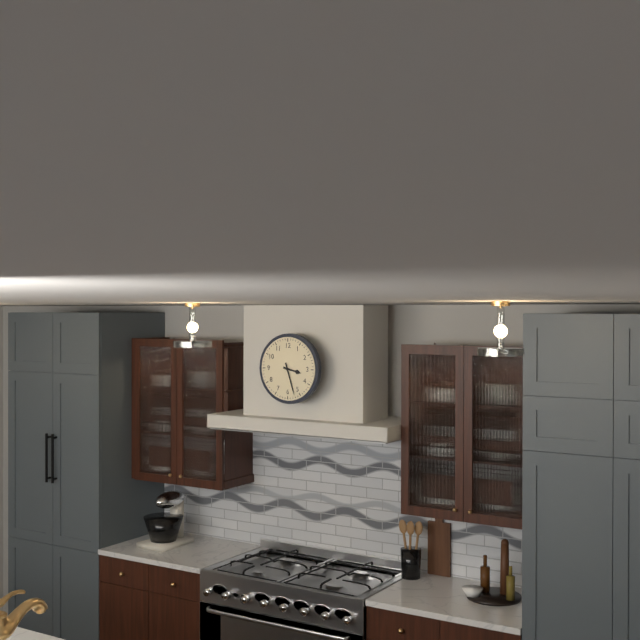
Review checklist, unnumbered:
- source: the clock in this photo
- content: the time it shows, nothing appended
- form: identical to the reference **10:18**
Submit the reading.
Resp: **3:27**
